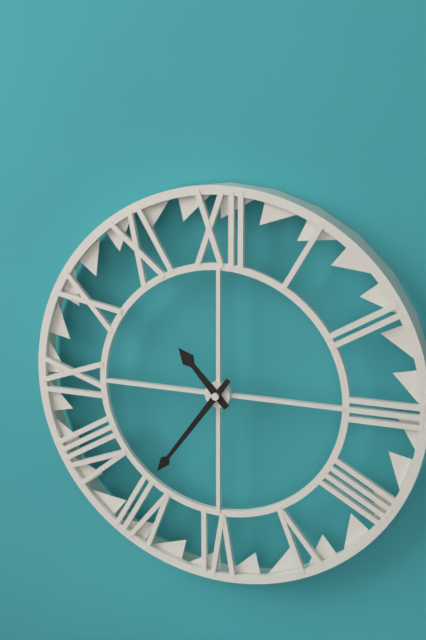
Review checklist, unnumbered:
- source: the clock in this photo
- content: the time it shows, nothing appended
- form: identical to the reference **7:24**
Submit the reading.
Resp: **10:36**
